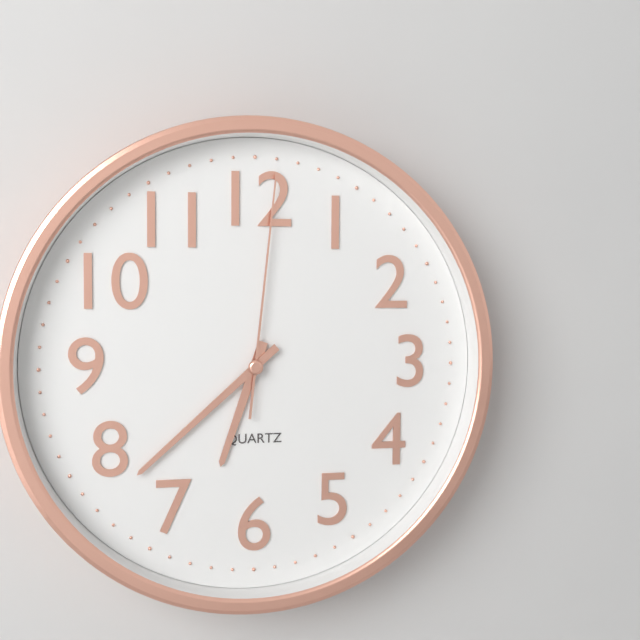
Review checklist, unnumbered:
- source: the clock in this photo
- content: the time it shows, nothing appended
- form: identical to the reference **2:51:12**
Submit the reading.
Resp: **6:38:01**
